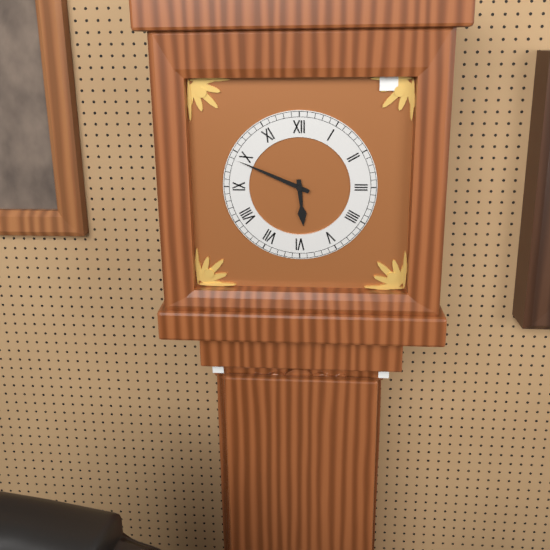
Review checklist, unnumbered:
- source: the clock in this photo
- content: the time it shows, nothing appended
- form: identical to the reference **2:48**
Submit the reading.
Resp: **5:49**
